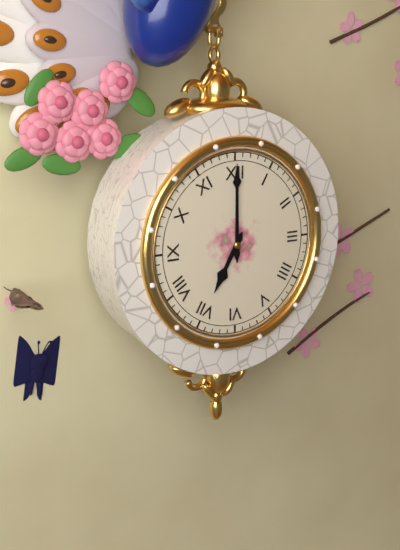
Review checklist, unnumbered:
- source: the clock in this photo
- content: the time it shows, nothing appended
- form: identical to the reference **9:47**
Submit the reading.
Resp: **7:00**
